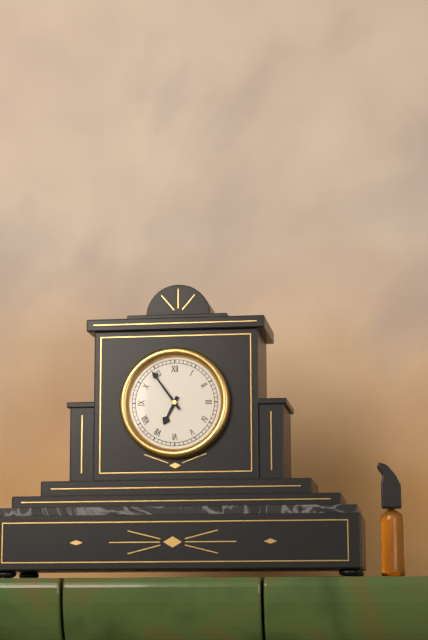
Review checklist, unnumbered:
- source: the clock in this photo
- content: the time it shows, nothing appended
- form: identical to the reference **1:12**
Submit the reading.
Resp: **6:54**
